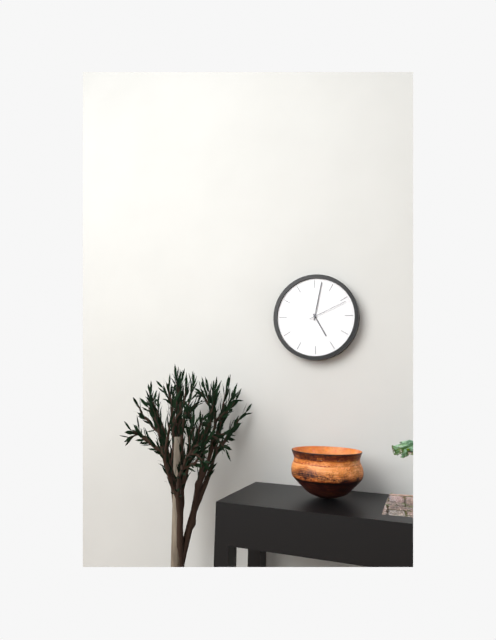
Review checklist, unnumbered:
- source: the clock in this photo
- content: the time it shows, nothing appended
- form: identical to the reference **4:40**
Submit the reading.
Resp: **5:02**
